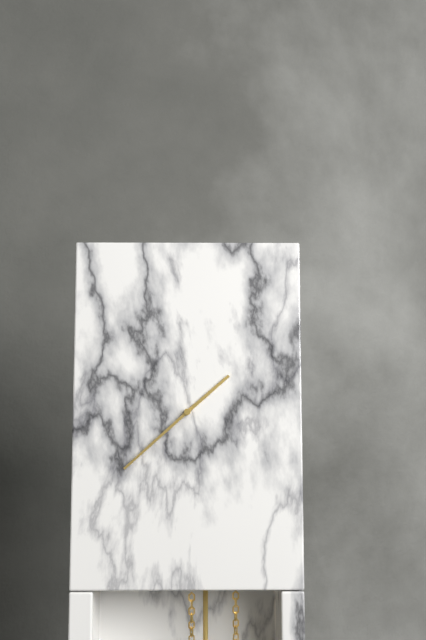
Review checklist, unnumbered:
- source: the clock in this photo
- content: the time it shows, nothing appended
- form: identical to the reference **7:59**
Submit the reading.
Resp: **1:38**
